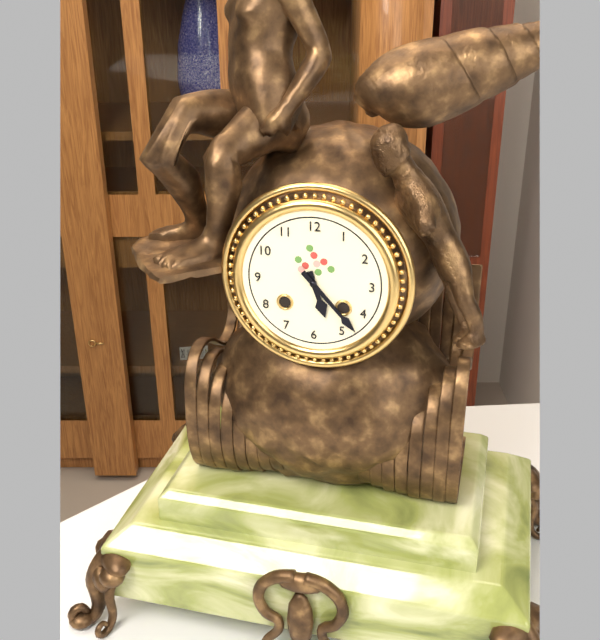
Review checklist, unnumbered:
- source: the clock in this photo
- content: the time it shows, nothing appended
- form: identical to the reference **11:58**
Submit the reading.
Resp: **5:23**
